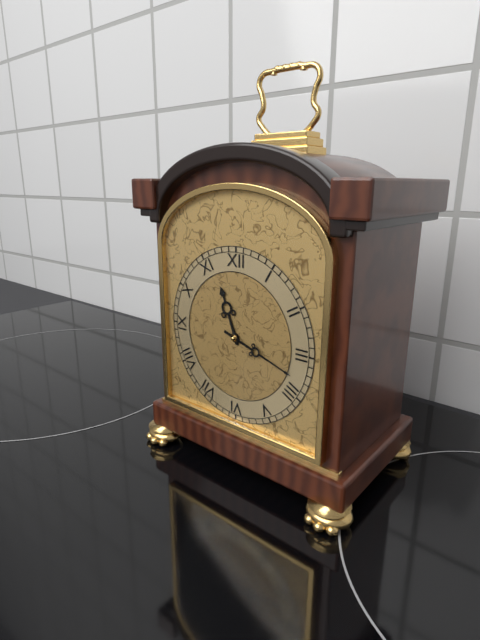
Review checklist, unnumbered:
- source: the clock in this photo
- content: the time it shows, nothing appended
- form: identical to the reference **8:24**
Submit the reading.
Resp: **11:18**
